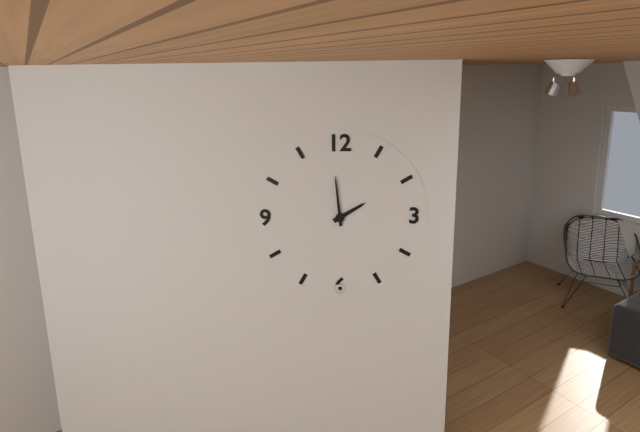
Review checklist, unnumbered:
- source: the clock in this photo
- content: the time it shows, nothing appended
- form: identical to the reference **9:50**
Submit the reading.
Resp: **1:59**
